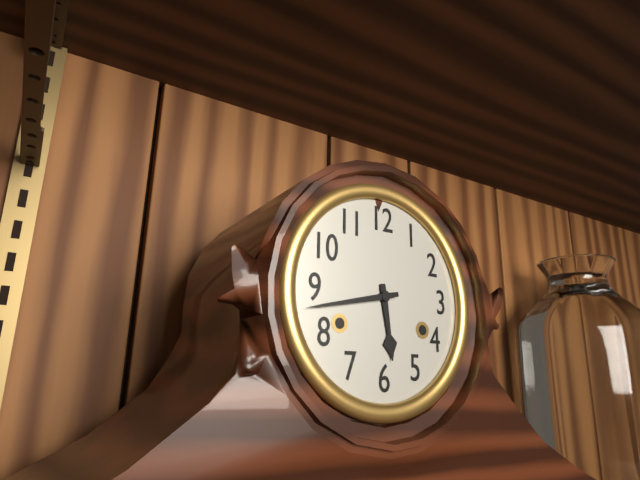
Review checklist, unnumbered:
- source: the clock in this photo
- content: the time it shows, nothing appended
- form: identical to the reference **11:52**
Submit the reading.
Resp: **5:43**
